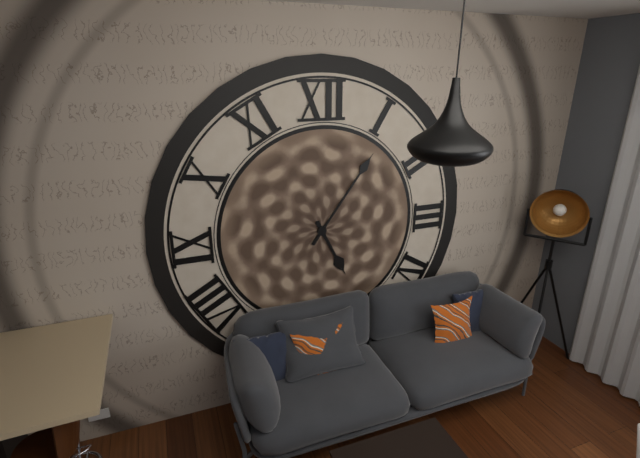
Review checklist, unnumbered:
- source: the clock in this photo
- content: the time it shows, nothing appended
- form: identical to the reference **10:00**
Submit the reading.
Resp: **5:06**
